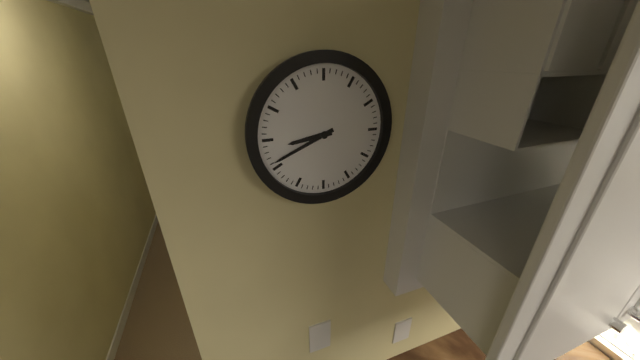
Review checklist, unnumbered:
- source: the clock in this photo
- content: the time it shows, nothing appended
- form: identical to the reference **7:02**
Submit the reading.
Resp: **8:41**
